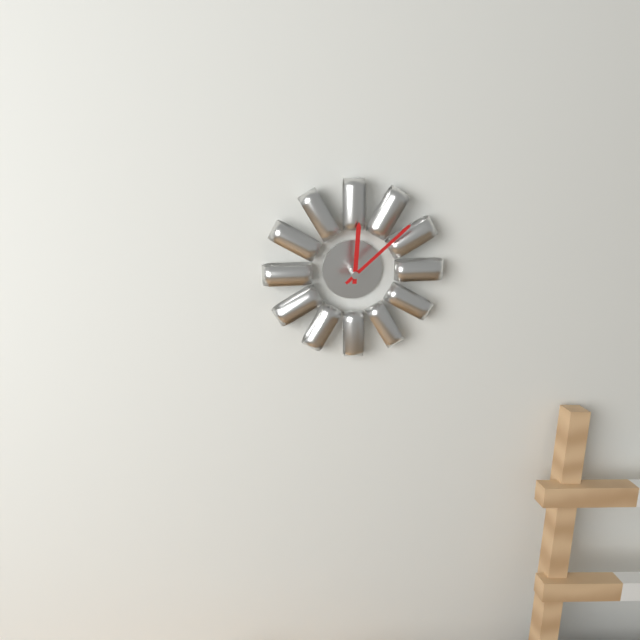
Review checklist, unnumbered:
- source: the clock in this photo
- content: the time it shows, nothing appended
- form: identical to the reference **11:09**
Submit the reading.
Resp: **12:08**
